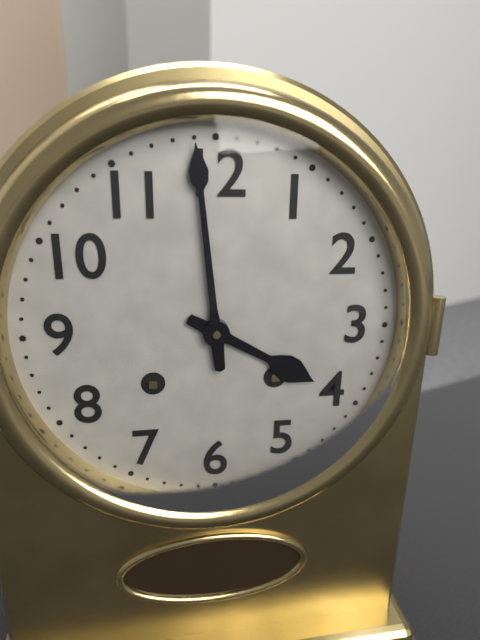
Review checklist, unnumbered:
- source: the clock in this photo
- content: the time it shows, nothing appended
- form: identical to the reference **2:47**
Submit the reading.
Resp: **3:59**
